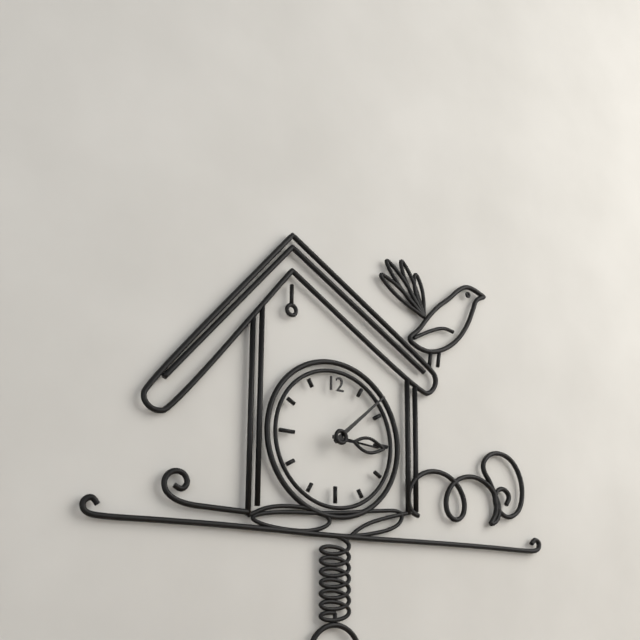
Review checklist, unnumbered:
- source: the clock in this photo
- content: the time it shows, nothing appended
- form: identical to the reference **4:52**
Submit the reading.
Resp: **3:08**
